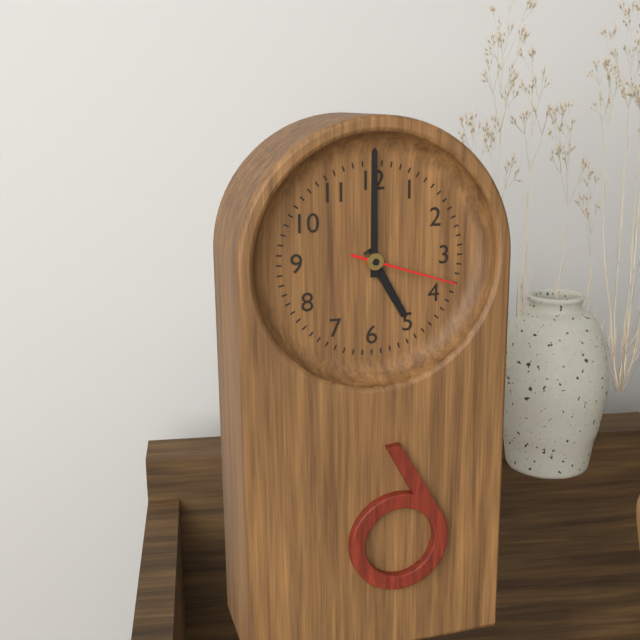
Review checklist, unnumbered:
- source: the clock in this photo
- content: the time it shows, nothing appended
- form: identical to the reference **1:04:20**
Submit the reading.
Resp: **5:00:18**
